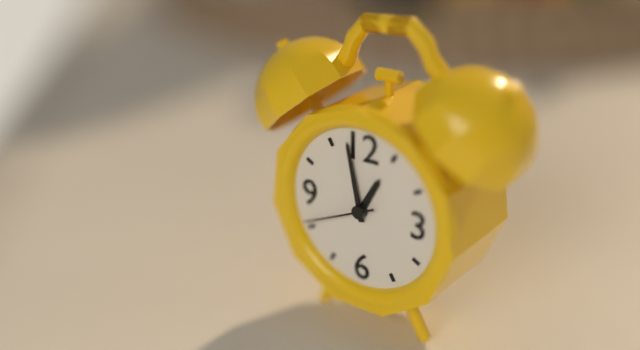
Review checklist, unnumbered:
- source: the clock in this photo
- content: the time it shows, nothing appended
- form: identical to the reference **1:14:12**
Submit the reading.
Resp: **12:58:41**
